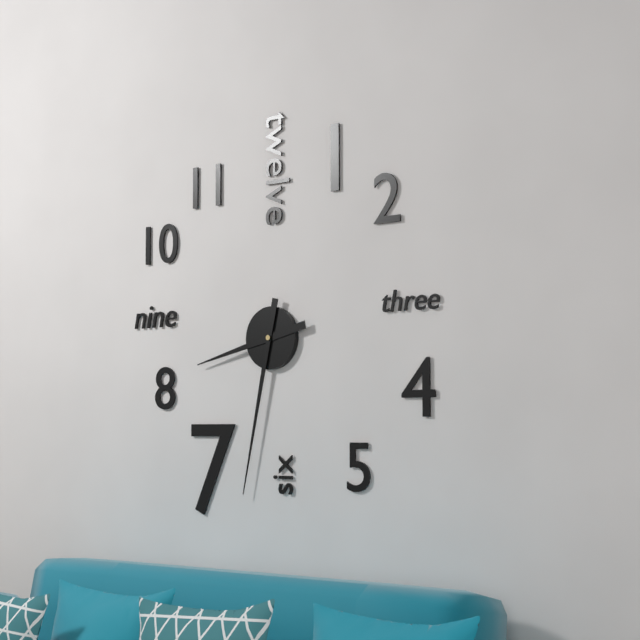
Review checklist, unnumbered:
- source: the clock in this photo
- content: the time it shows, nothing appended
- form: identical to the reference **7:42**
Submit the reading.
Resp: **8:32**
